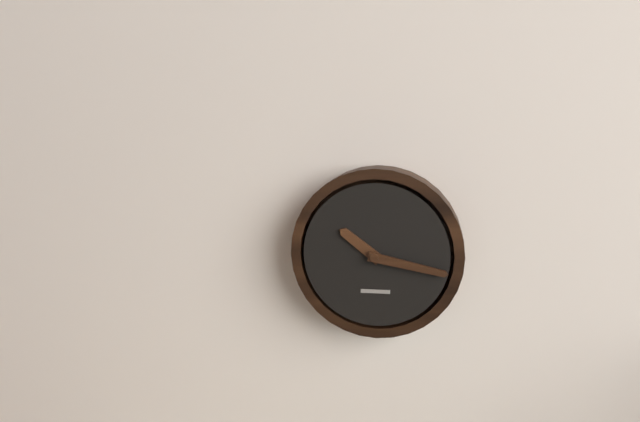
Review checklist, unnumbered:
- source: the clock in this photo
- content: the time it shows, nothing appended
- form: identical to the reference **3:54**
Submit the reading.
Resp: **10:17**
